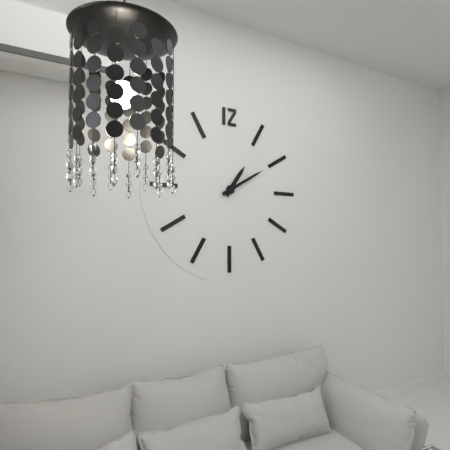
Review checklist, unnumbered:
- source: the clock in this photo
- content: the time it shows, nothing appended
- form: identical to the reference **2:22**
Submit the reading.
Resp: **1:10**
